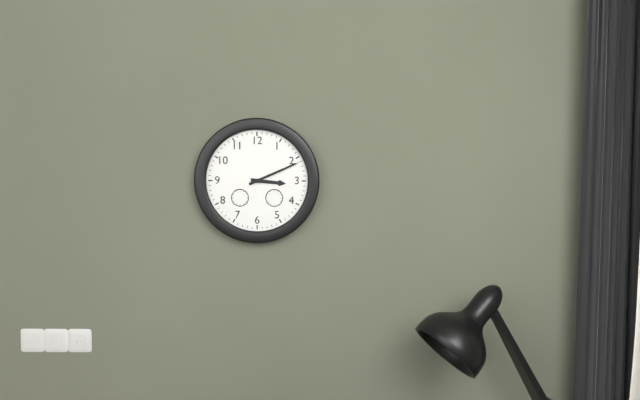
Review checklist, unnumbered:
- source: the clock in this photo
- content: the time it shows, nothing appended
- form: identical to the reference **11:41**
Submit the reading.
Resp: **3:11**
